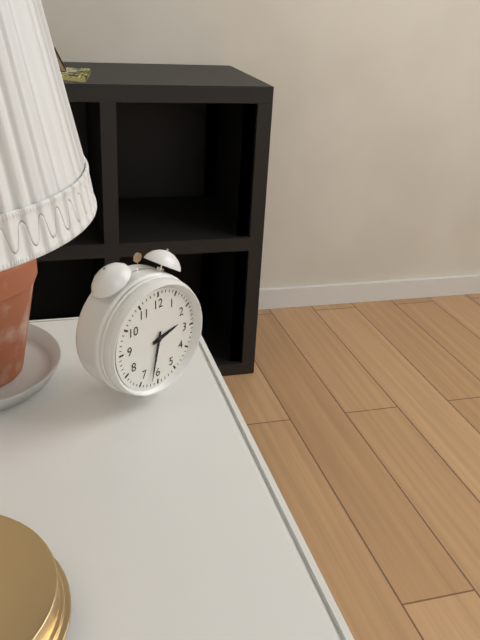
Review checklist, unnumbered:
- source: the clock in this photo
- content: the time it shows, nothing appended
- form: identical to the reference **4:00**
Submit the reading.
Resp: **2:32**
